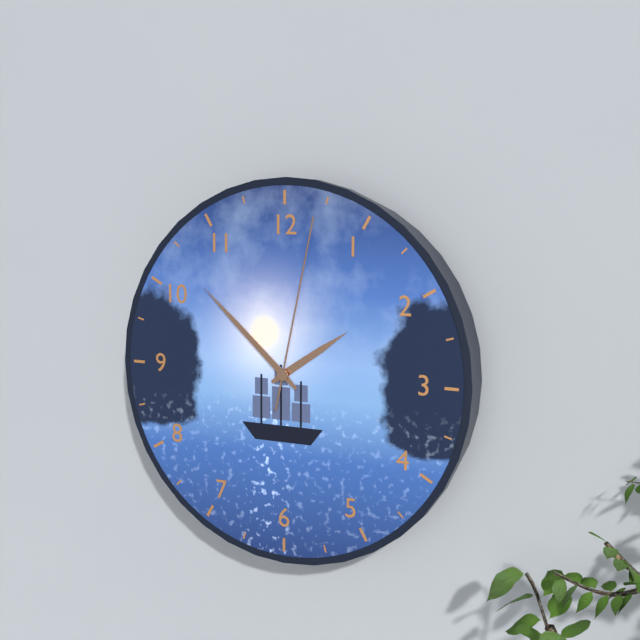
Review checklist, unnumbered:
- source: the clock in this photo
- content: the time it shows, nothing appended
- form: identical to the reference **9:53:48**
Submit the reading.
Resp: **1:52:02**
